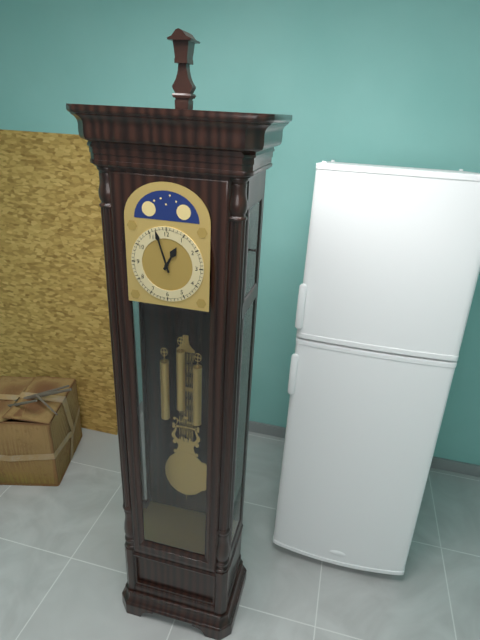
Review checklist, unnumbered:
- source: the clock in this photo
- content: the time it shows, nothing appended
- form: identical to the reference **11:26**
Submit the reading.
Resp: **12:57**
